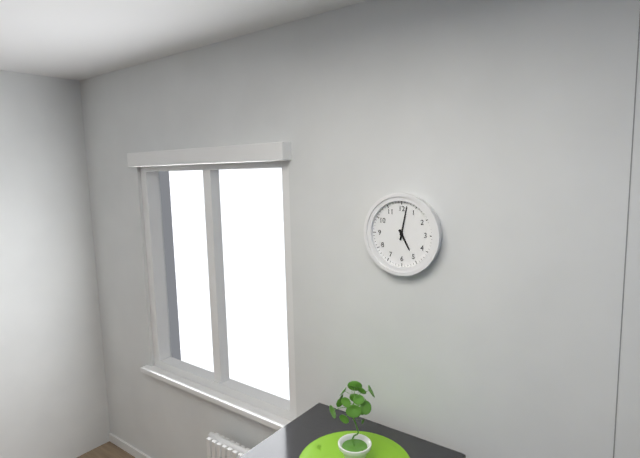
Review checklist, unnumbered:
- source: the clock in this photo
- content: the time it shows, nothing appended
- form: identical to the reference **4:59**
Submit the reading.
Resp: **5:02**
